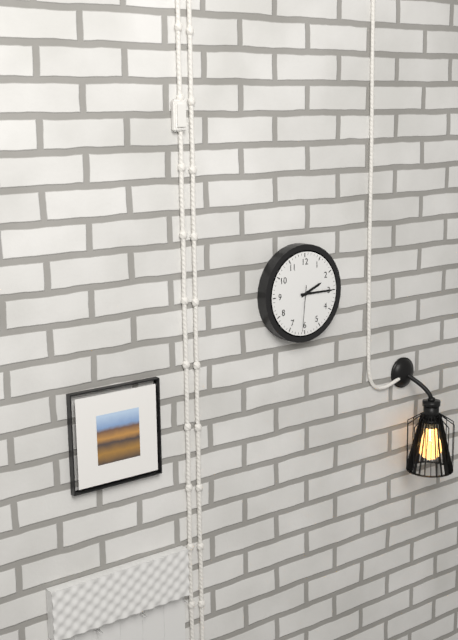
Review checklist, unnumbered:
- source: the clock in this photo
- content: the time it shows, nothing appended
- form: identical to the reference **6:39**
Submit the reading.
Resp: **2:15**
